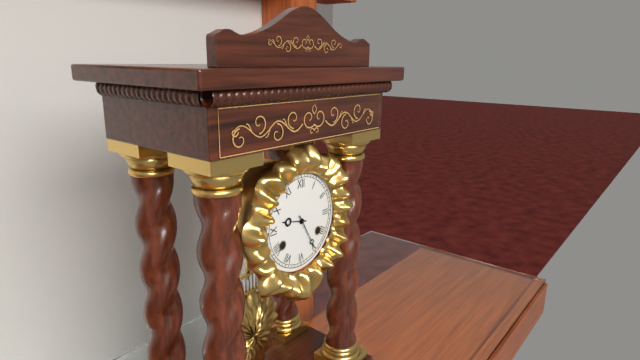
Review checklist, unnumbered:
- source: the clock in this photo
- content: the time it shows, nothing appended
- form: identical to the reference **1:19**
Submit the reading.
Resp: **9:25**
